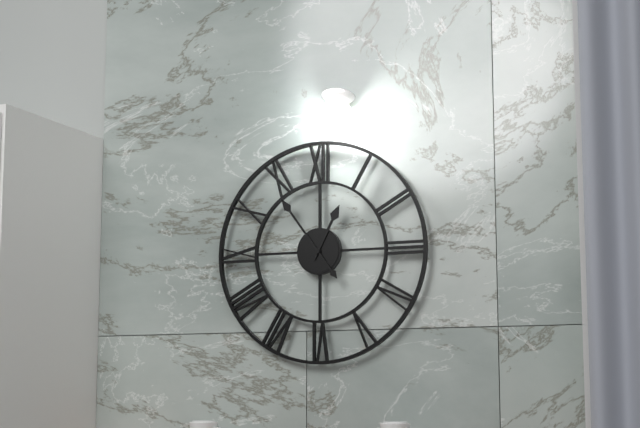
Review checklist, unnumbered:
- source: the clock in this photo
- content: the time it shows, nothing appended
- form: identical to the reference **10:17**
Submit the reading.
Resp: **12:54**
